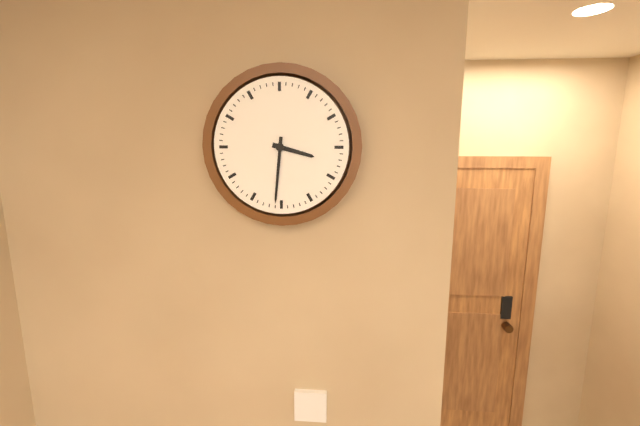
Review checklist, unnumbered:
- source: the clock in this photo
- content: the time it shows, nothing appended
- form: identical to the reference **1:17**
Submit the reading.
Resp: **3:31**
